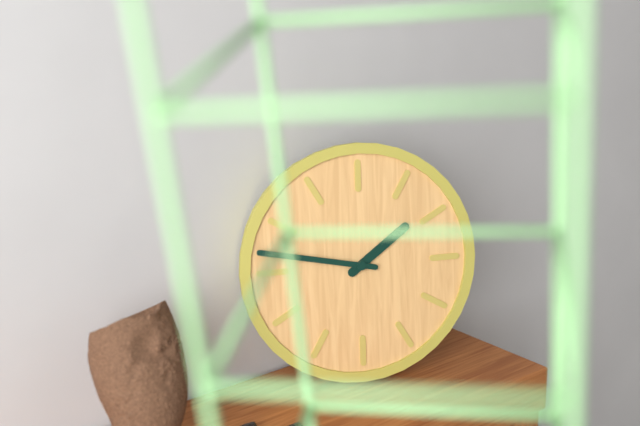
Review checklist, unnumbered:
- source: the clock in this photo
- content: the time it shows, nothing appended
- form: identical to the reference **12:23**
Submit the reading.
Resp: **1:47**
